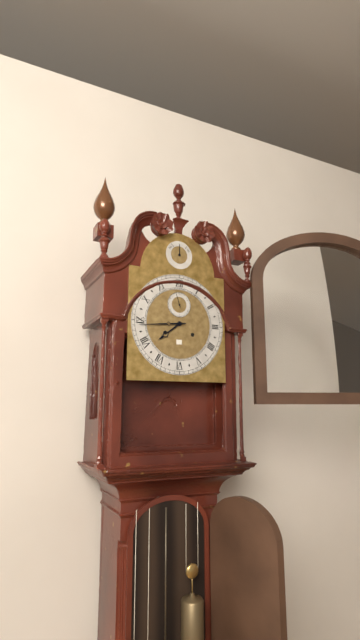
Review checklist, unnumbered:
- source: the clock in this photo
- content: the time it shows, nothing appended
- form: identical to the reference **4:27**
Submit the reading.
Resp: **7:44**
